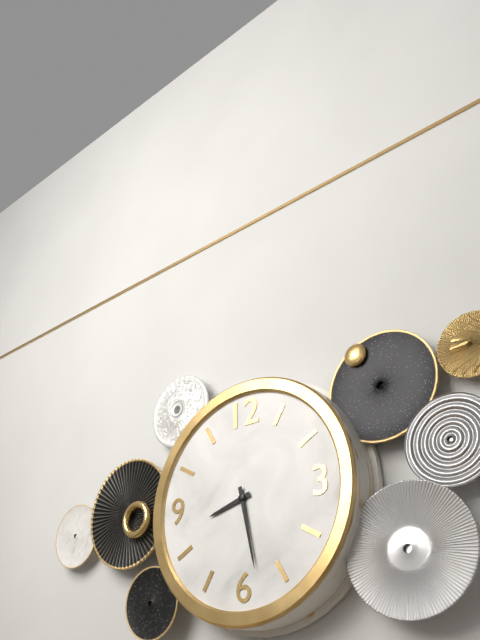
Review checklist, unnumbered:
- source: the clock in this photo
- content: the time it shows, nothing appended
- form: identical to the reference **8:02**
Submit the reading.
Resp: **8:28**
